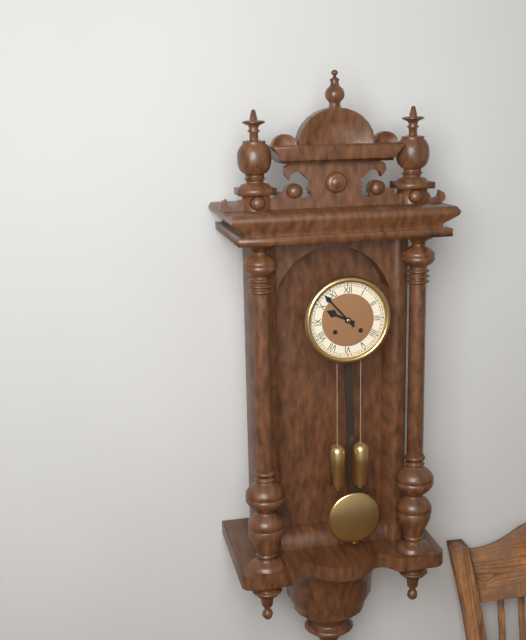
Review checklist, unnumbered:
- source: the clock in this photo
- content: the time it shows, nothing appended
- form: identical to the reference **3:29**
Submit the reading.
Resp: **9:53**
